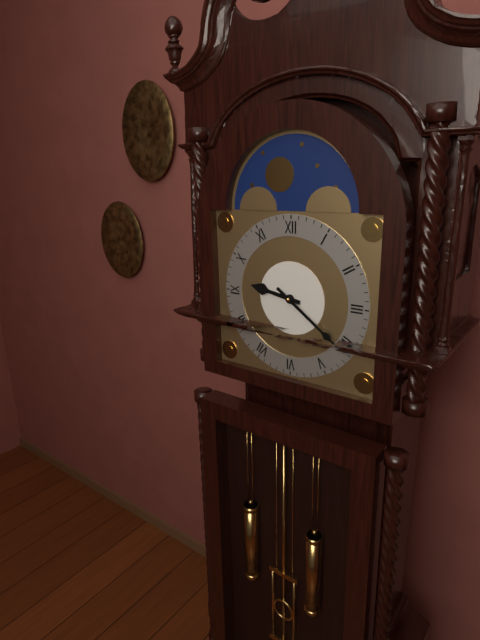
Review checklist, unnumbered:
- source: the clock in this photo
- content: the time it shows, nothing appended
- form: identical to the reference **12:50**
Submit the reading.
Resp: **9:21**
